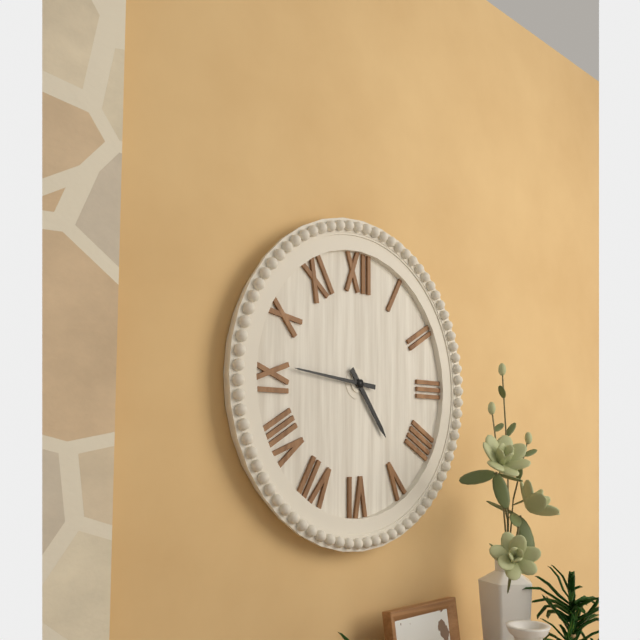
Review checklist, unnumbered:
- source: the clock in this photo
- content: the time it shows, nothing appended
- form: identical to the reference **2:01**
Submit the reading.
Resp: **4:46**
